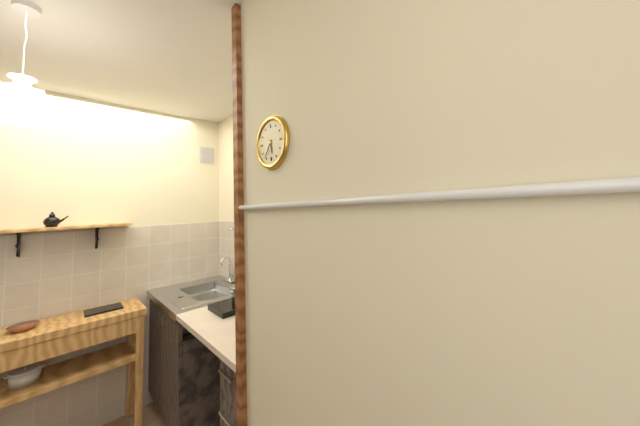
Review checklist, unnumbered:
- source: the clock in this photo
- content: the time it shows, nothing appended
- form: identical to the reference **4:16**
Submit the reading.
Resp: **5:36**
